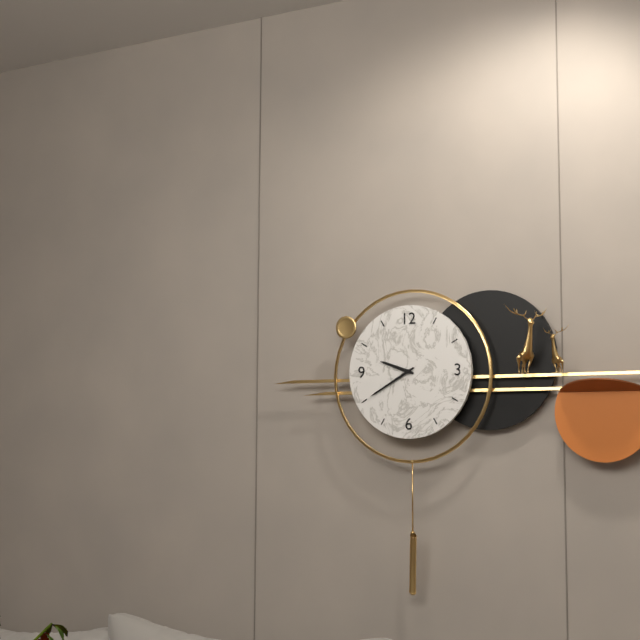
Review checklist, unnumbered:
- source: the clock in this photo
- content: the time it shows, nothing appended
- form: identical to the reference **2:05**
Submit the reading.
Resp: **9:40**
